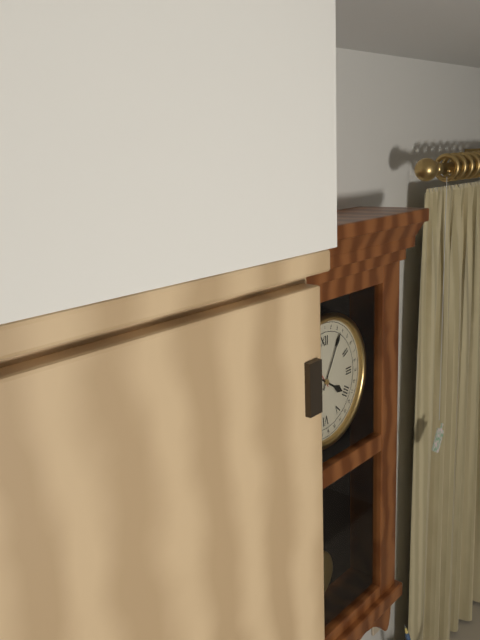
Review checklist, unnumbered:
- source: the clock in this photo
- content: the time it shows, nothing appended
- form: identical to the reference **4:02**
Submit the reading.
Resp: **4:05**
